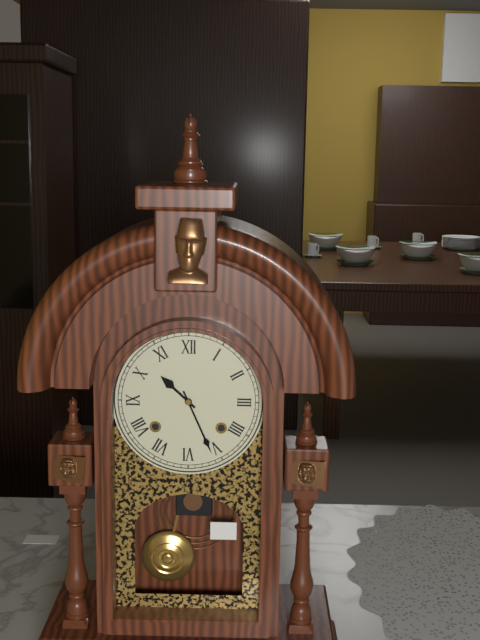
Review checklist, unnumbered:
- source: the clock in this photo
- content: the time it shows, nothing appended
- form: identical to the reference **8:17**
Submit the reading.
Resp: **10:26**
